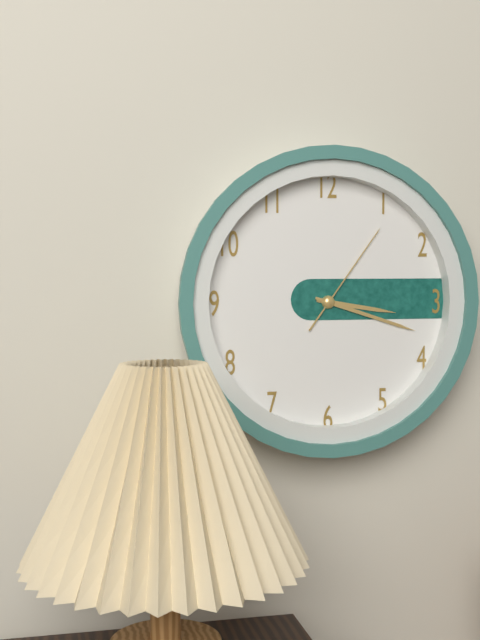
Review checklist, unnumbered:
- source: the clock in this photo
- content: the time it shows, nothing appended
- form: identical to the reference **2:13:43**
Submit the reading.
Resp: **3:18:06**
